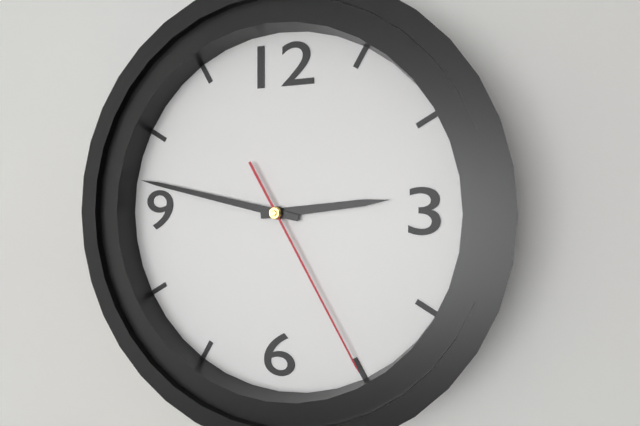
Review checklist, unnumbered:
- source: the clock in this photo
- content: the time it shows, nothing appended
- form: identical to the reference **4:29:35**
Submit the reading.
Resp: **2:47:25**
